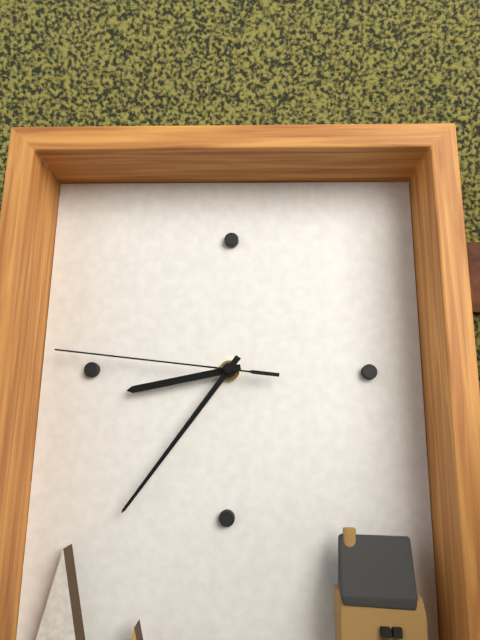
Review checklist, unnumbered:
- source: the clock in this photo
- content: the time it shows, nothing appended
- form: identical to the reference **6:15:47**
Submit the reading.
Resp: **8:36:46**
